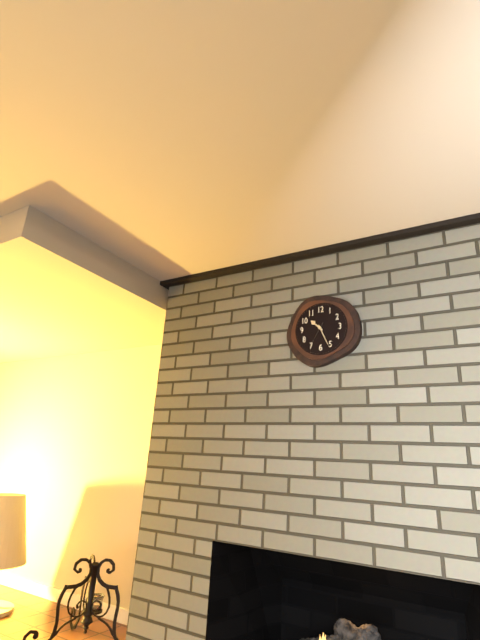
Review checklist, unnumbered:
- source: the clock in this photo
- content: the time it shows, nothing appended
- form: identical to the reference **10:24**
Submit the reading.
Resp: **10:26**
